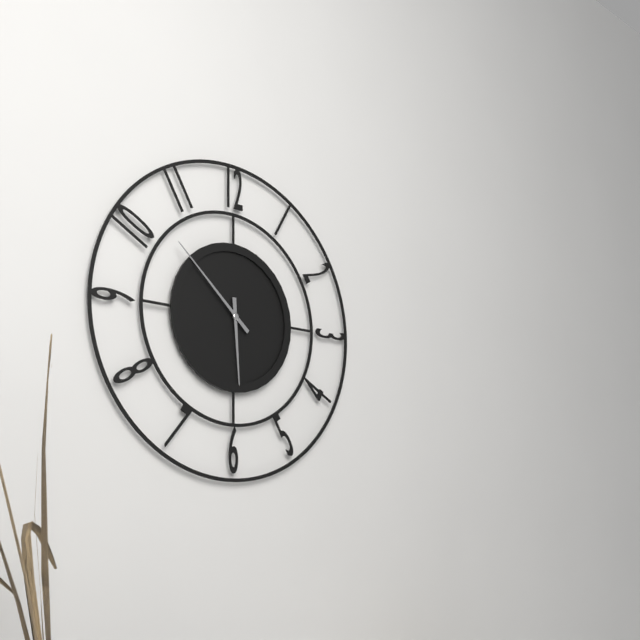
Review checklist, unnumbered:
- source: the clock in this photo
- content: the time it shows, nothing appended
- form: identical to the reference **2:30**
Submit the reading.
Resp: **5:52**
